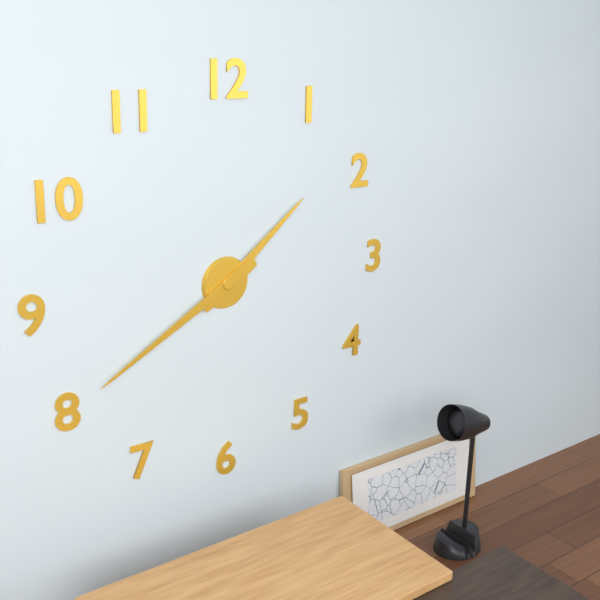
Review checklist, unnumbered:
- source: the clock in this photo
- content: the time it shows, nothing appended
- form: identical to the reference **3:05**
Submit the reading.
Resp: **1:40**
